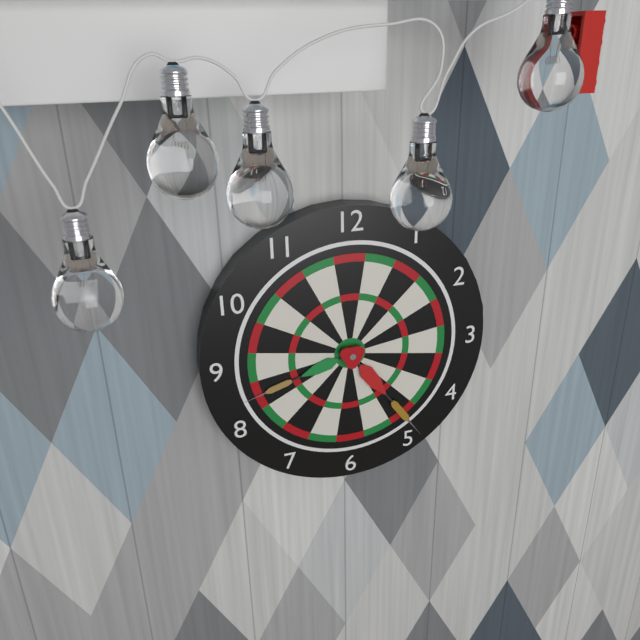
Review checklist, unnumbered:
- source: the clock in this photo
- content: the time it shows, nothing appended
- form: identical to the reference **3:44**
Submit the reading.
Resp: **8:24**
